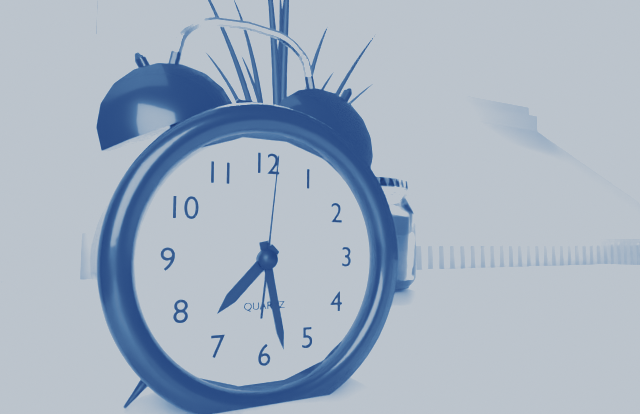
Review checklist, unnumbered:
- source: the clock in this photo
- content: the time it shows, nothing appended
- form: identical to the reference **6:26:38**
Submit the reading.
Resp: **7:28:01**
